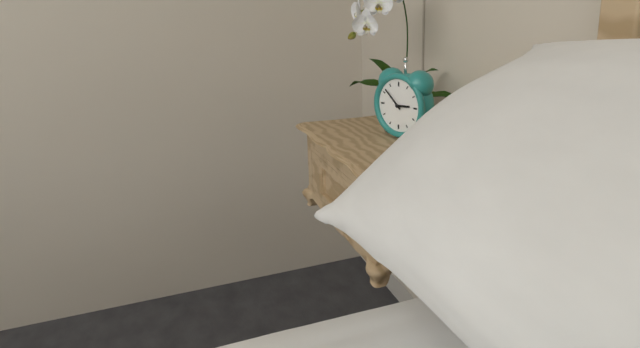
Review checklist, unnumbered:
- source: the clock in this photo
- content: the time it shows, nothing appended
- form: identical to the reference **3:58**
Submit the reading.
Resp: **2:52**
